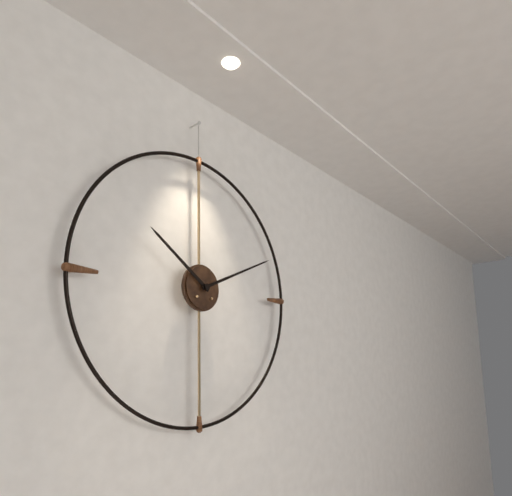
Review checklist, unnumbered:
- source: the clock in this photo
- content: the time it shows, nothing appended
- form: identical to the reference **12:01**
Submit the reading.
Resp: **10:11**
